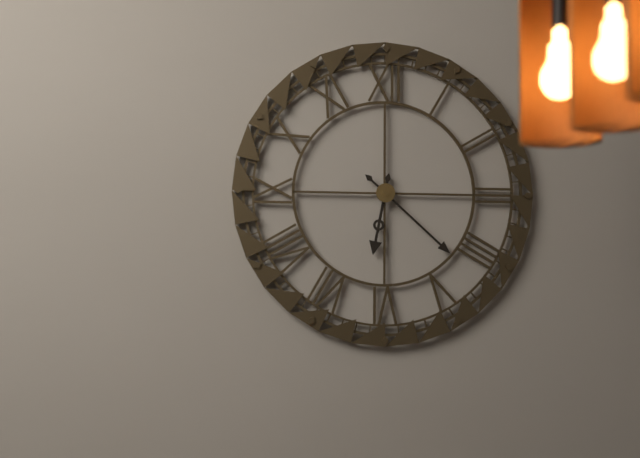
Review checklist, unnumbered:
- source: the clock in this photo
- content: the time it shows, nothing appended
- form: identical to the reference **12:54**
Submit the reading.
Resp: **6:22**
